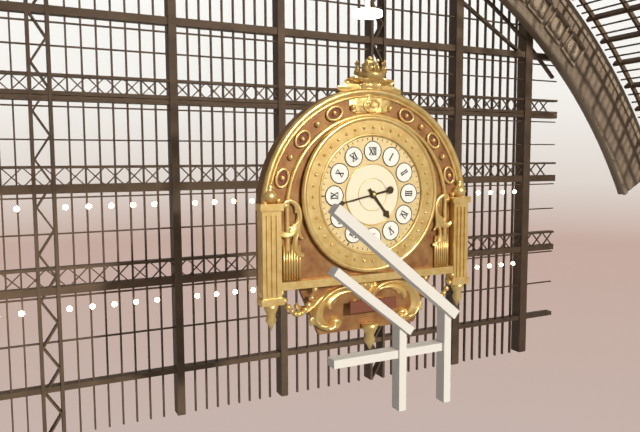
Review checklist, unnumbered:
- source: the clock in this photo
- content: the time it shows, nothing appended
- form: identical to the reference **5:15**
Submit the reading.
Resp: **4:43**
